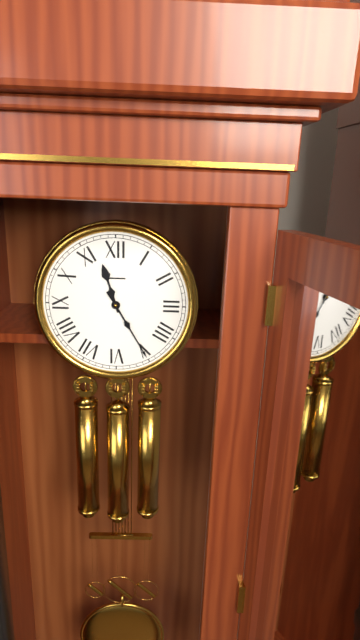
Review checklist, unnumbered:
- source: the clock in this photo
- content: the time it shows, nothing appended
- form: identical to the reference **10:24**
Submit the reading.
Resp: **11:25**
